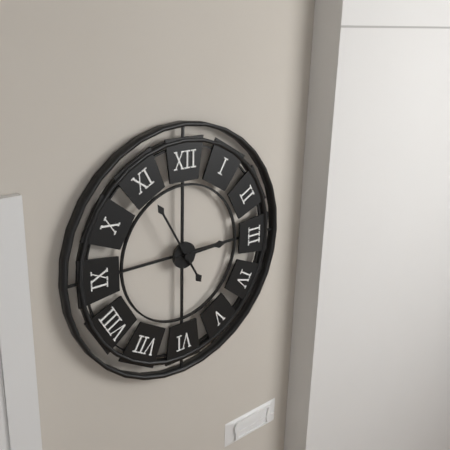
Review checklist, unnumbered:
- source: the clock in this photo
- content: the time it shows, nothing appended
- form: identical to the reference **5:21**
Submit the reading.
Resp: **2:55**
